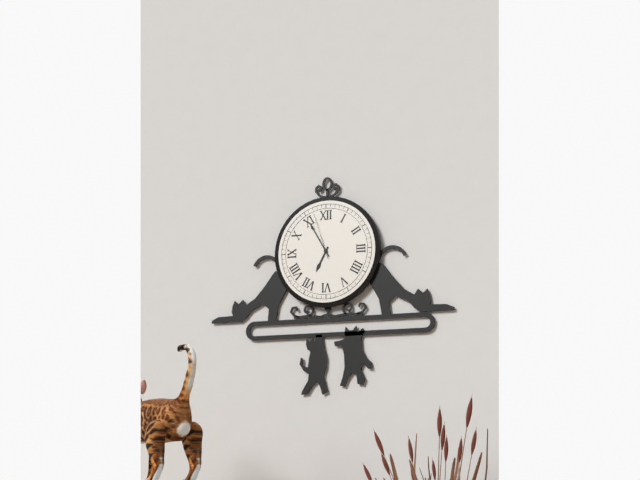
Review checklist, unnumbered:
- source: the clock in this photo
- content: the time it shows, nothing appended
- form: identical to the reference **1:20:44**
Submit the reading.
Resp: **6:55:57**
